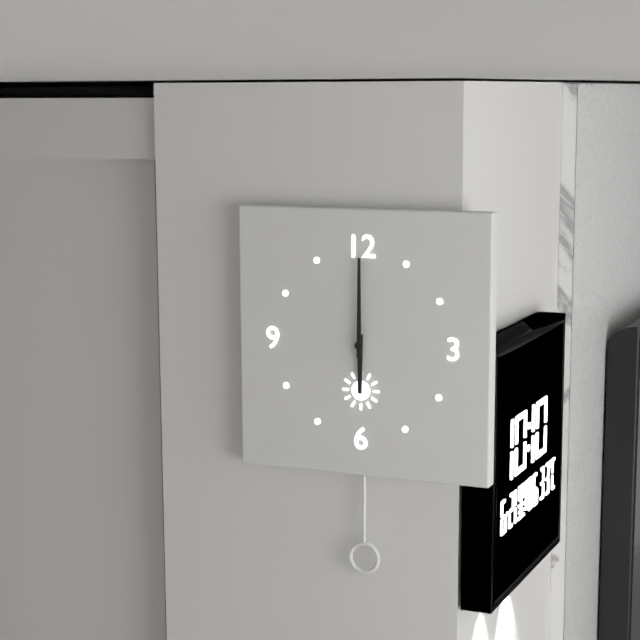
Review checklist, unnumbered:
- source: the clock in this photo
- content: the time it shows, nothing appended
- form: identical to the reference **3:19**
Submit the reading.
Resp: **6:00**
